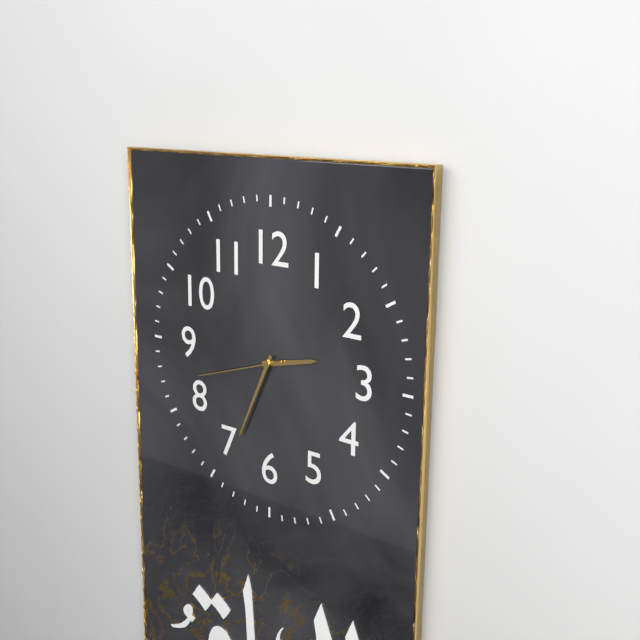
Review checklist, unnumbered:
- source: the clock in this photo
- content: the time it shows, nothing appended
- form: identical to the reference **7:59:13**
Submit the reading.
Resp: **2:34:42**
